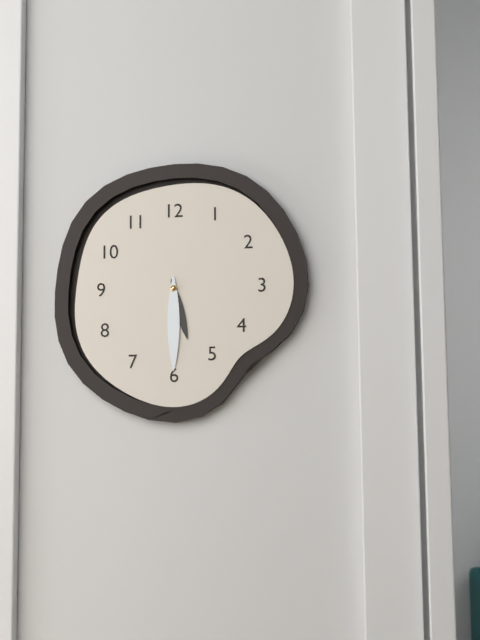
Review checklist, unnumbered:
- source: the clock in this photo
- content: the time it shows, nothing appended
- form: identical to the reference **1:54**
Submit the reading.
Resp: **5:30**
